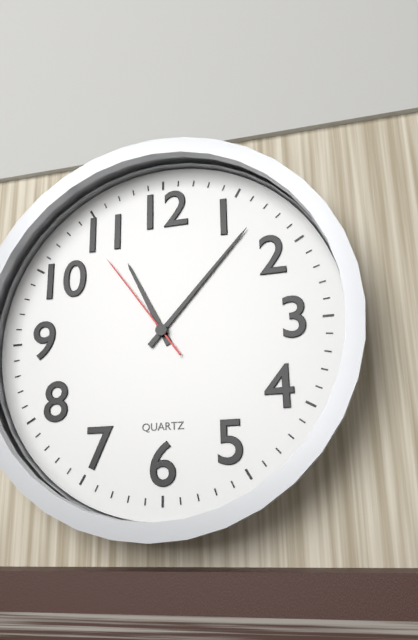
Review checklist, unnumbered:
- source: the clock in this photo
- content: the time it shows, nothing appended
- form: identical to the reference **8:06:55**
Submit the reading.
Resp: **11:07:54**
